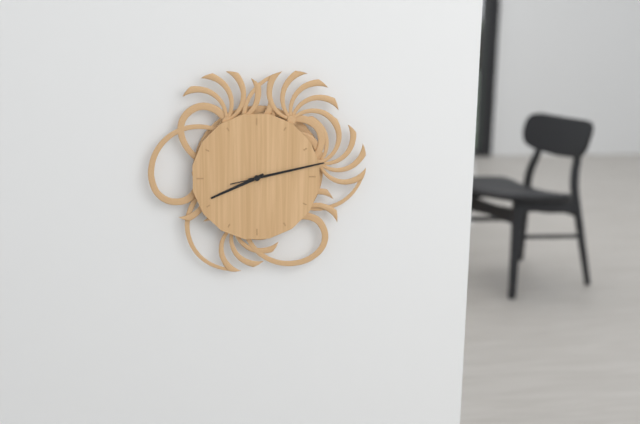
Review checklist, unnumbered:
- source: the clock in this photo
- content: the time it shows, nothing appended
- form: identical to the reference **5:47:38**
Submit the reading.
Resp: **8:13:13**
